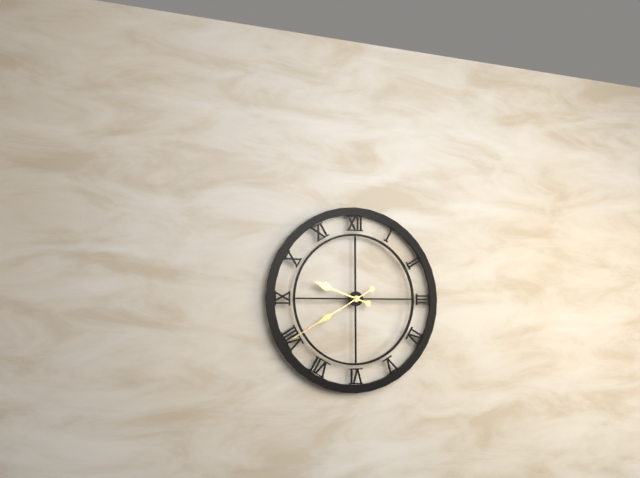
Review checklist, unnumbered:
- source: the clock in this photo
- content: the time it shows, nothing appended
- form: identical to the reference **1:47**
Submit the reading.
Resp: **9:40**
